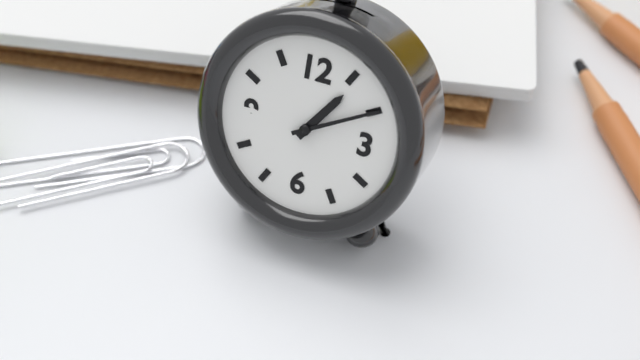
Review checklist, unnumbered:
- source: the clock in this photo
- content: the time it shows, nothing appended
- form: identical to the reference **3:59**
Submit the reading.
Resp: **1:10**
